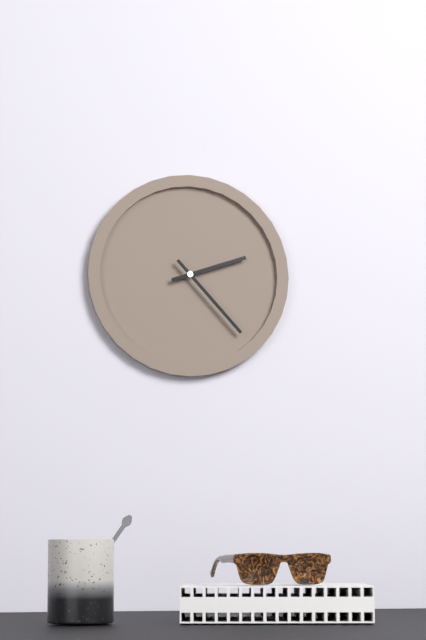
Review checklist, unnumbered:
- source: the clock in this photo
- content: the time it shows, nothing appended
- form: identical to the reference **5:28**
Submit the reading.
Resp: **2:23**
